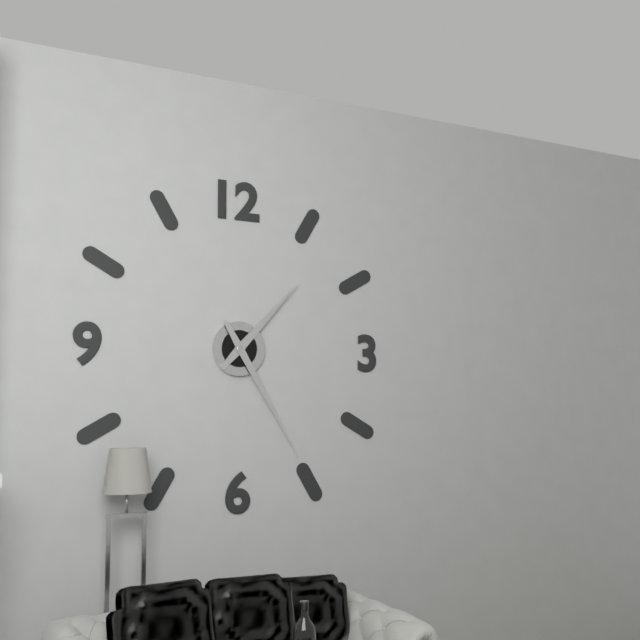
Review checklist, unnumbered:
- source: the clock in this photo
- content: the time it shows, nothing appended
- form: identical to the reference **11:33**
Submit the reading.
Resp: **1:25**
